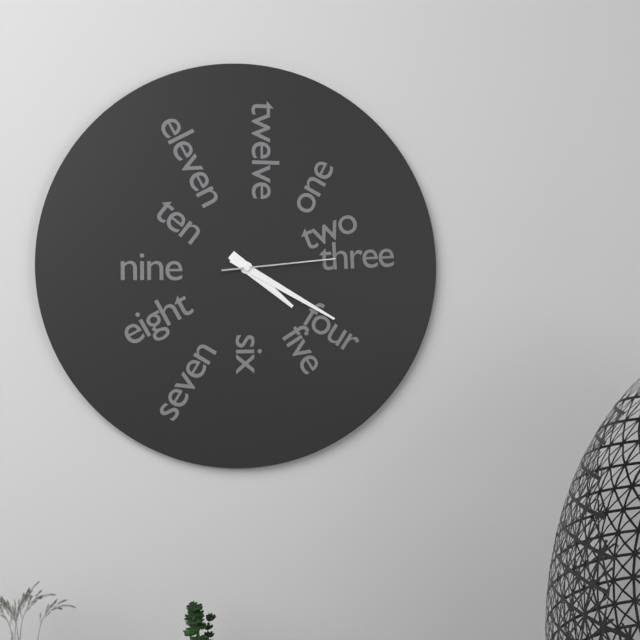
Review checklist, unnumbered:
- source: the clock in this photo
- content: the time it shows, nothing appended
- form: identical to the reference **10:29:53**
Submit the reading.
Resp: **4:20:14**
